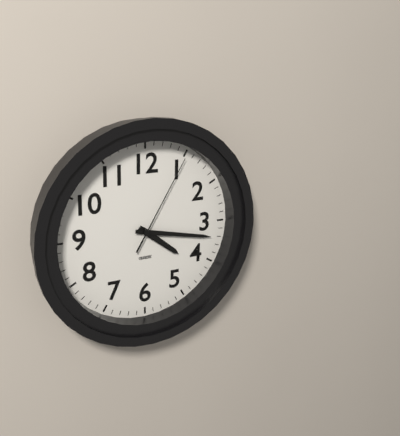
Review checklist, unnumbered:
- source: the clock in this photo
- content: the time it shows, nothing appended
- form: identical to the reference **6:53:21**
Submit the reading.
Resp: **4:17:05**
